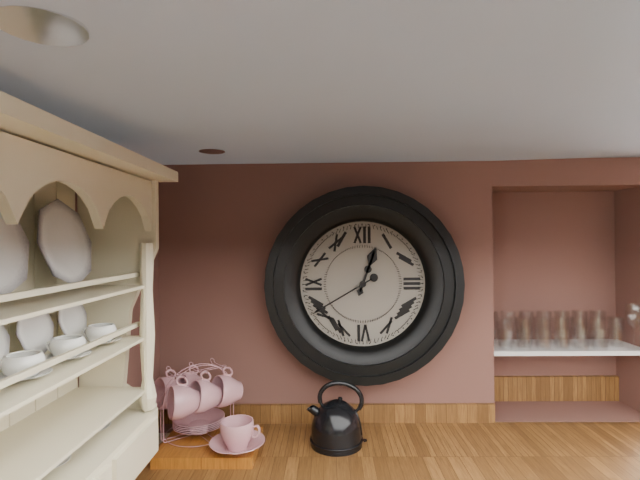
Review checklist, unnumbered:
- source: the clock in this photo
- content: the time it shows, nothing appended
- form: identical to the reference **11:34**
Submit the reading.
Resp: **12:40**
